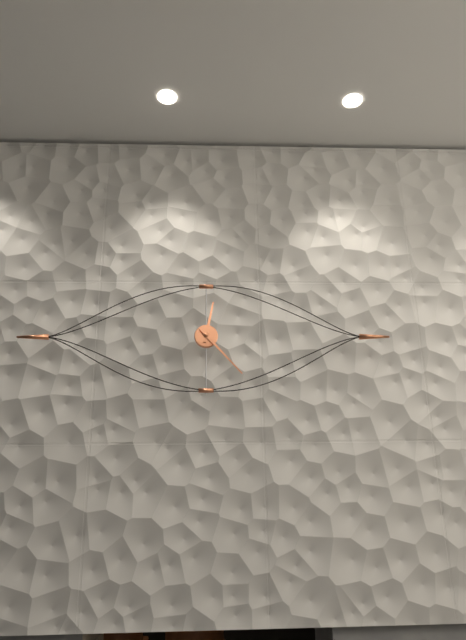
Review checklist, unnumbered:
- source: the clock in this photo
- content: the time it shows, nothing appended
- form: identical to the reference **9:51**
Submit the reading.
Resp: **12:23**
